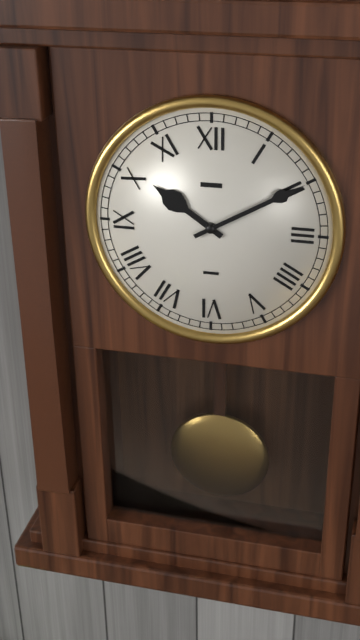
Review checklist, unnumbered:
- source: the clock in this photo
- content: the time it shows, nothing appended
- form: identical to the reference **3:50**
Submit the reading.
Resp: **10:10**
